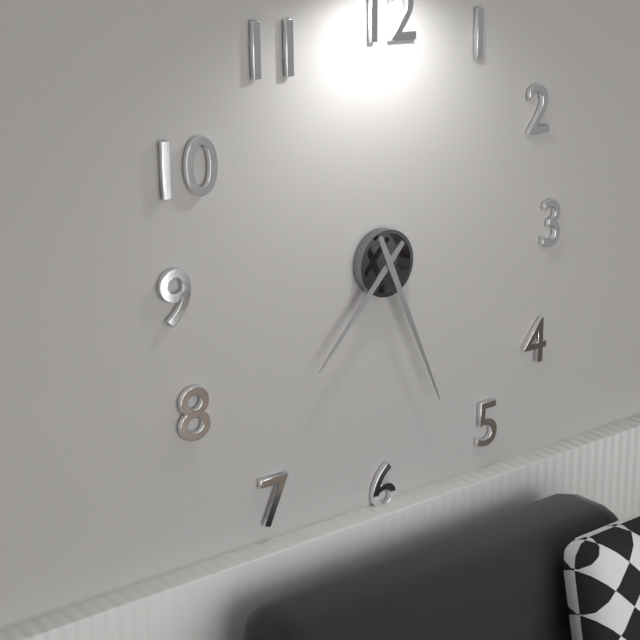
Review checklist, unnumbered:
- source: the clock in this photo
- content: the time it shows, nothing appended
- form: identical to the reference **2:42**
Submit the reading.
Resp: **7:26**
